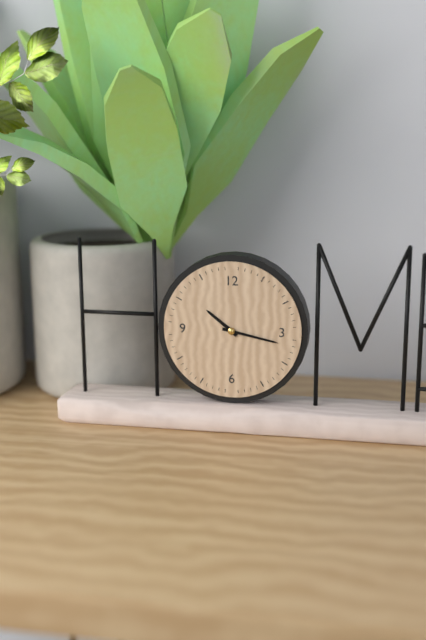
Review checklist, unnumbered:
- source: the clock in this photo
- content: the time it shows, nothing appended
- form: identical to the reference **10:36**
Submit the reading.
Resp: **10:17**
